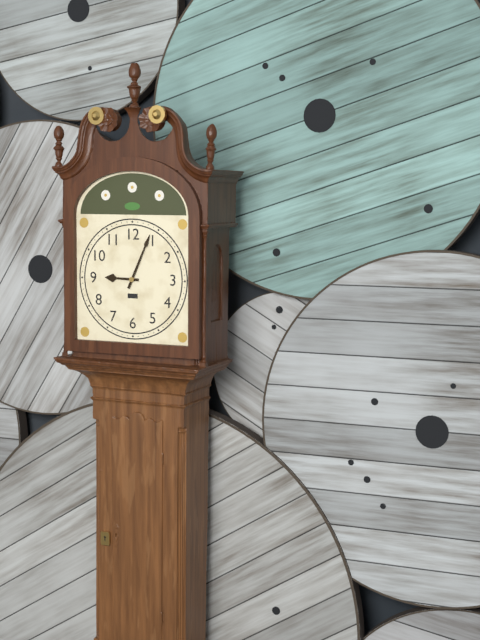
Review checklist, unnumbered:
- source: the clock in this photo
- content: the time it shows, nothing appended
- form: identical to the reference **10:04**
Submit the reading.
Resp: **9:04**
